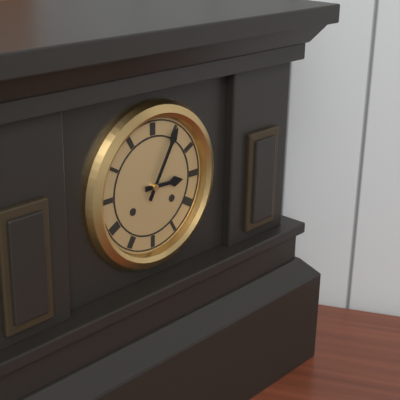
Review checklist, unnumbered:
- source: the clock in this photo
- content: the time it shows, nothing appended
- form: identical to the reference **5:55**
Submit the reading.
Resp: **3:05**
